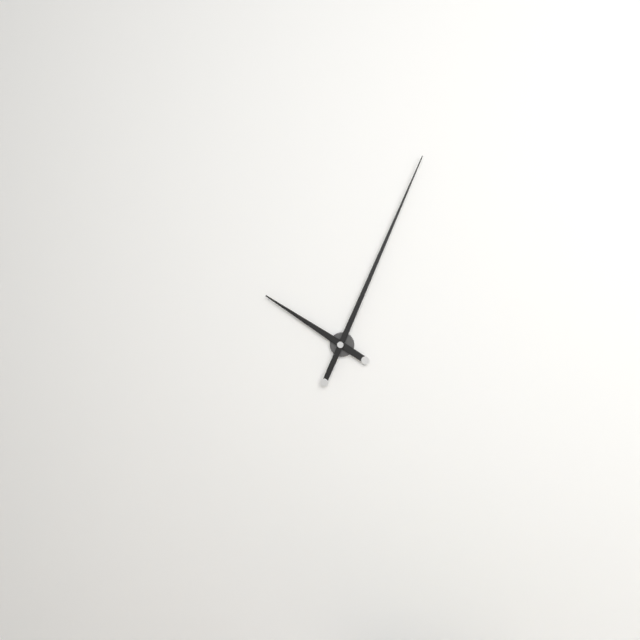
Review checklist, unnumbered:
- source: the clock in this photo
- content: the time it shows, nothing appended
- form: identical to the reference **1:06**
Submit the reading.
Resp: **10:04**
